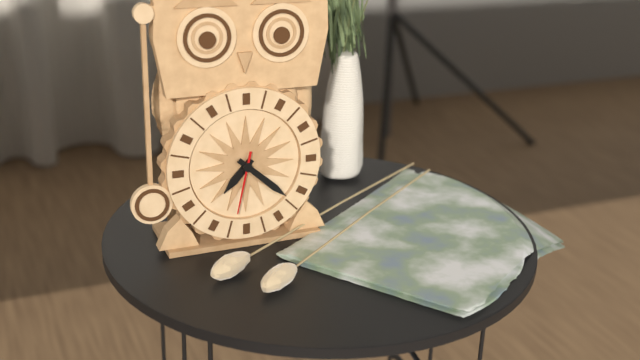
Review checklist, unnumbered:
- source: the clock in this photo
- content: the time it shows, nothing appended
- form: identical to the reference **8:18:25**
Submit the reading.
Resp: **7:22:32**
